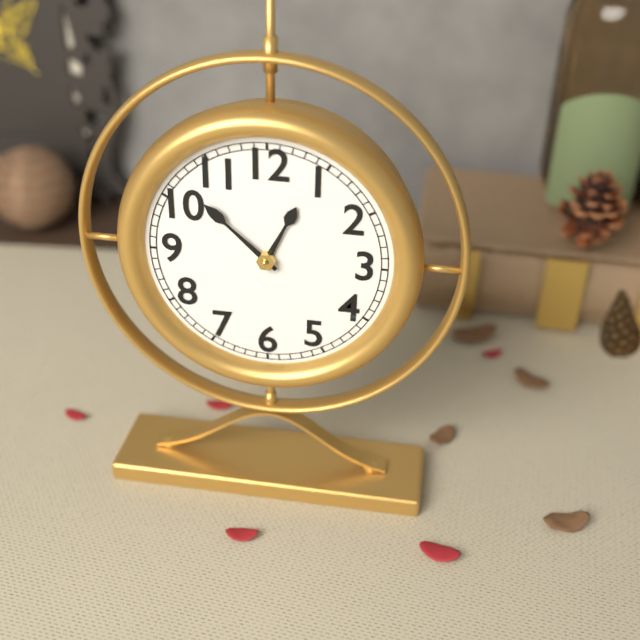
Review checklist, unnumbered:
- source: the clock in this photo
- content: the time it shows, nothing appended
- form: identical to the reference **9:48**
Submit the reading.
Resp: **12:52**
